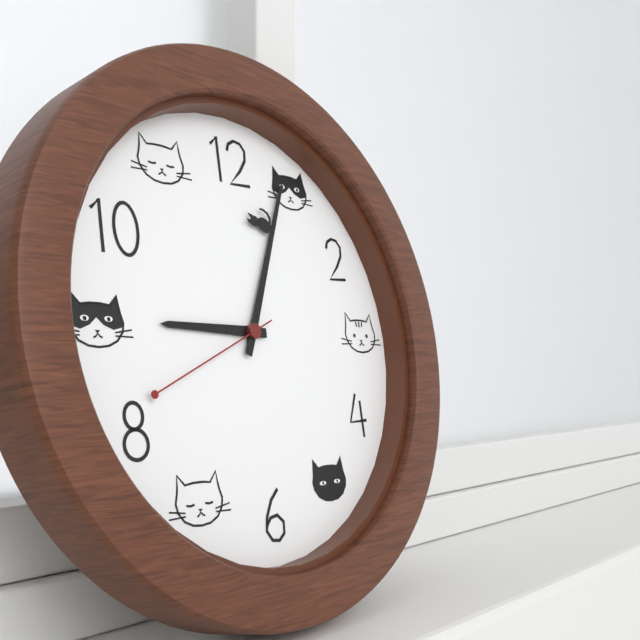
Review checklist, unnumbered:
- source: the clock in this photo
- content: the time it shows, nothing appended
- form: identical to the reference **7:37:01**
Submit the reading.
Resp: **9:04:41**
